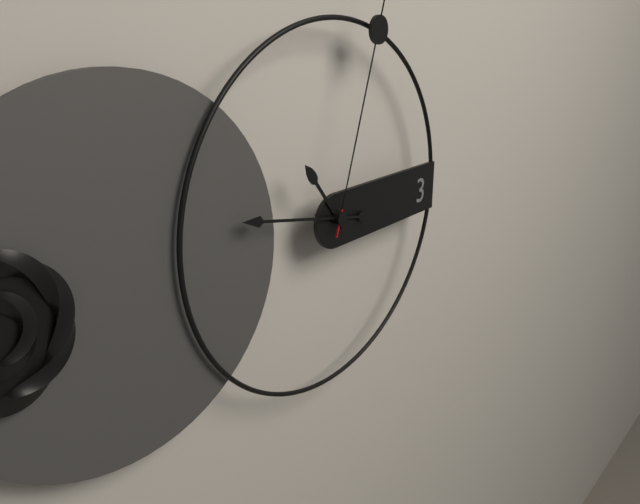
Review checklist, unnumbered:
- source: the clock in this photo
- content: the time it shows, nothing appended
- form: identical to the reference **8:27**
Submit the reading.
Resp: **10:47**
